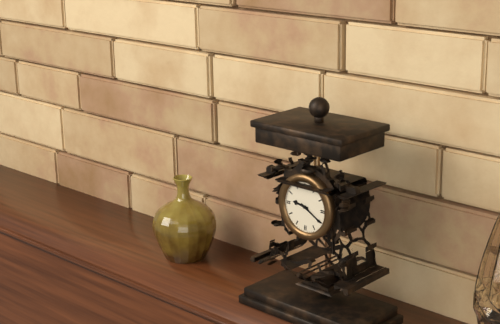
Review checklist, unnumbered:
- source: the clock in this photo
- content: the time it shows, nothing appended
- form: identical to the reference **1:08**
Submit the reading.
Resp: **9:20**
